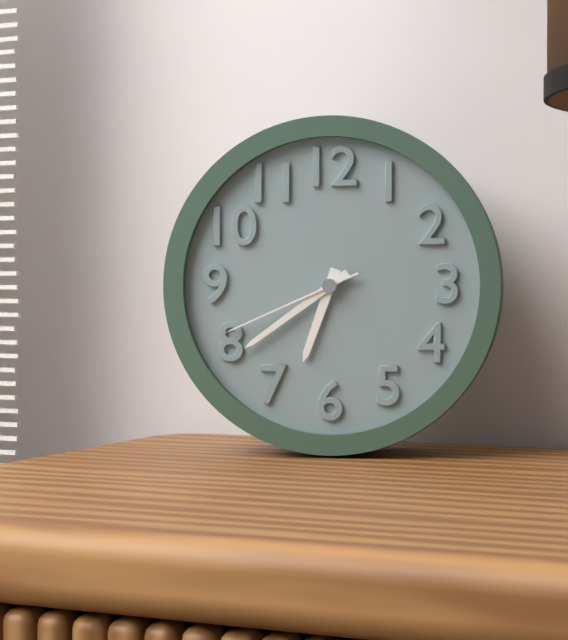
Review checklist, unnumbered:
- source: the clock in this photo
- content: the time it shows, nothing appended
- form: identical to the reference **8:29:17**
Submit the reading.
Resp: **6:39:41**
